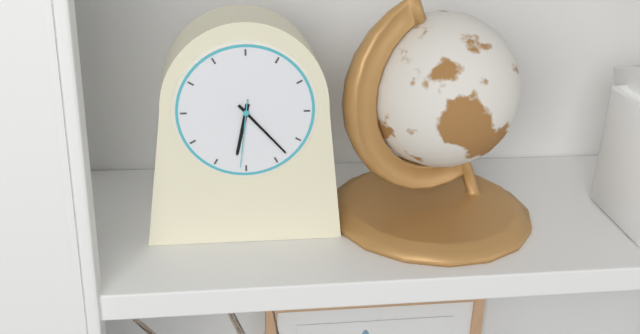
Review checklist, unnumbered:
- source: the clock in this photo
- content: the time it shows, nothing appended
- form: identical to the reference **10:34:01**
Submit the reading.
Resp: **6:23:31**
